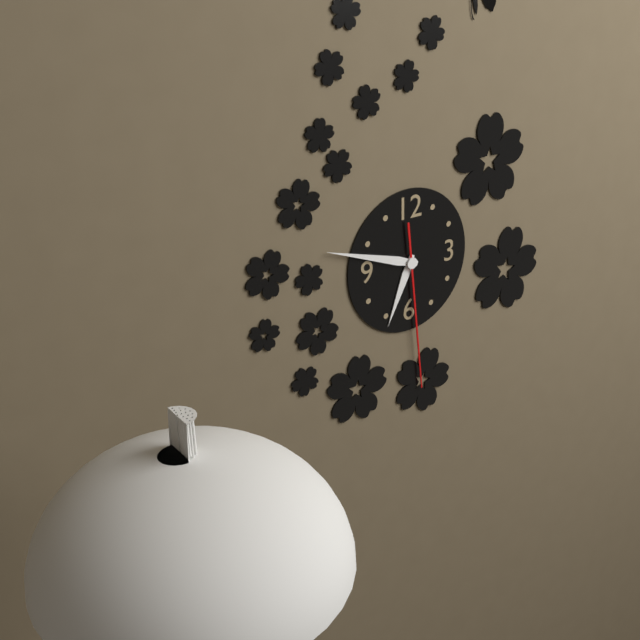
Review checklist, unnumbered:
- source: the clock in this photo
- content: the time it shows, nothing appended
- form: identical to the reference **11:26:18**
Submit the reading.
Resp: **6:48:29**
